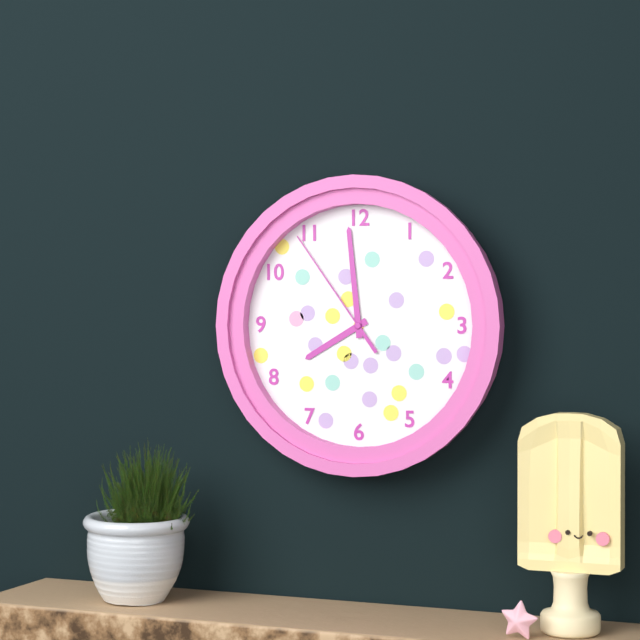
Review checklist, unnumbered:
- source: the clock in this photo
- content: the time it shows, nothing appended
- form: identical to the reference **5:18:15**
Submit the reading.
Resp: **7:59:54**
